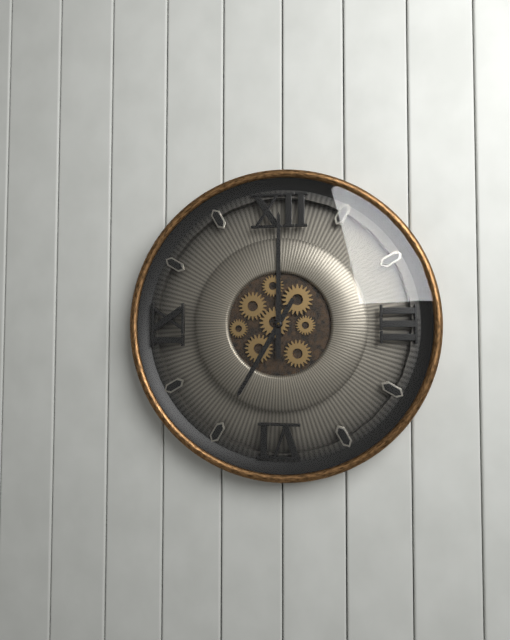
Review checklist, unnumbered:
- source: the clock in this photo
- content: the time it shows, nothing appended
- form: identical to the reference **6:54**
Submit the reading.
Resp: **7:00**
